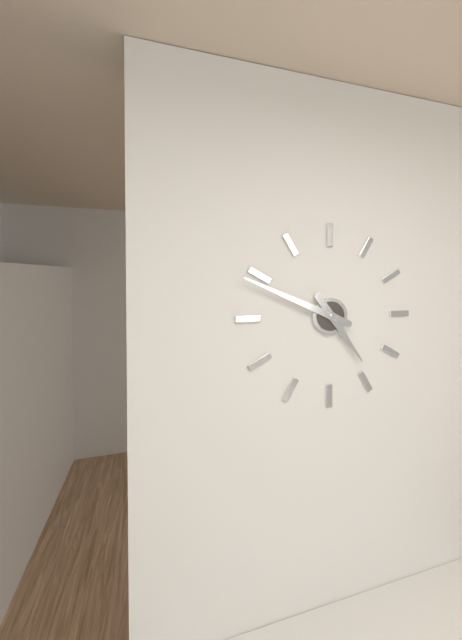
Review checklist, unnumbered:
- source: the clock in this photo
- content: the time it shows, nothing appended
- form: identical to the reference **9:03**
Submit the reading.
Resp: **4:49**
